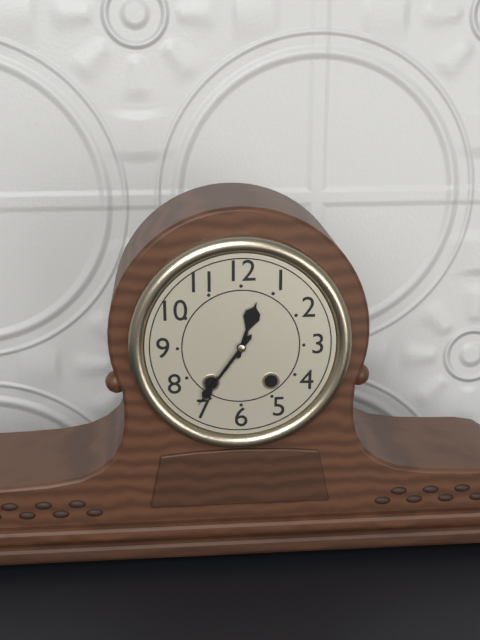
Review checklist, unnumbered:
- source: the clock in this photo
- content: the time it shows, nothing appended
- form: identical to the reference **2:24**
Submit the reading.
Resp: **12:36**
